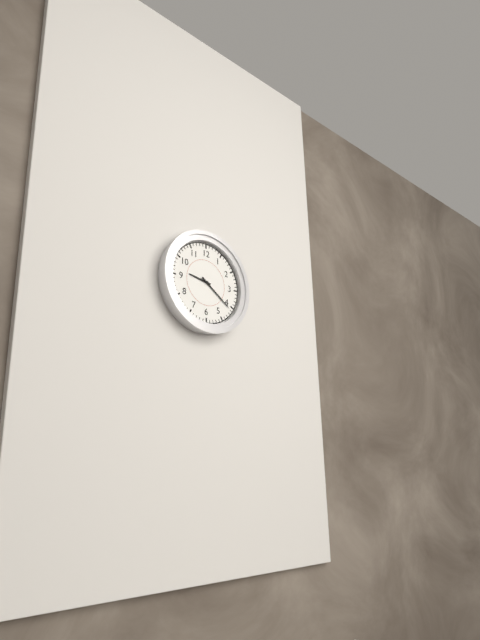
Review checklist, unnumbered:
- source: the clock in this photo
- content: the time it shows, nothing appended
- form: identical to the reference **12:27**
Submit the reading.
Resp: **9:21**
